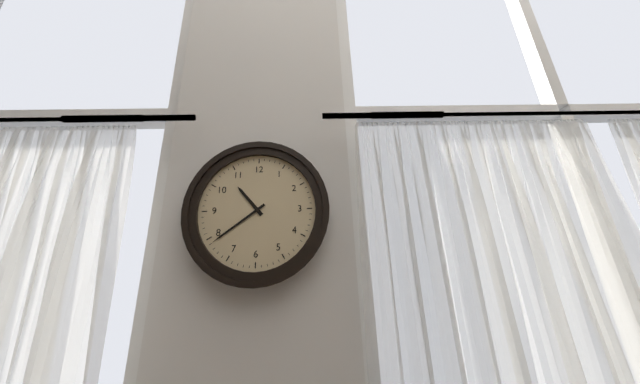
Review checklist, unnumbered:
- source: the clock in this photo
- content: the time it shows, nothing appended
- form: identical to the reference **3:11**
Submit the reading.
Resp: **10:39**
